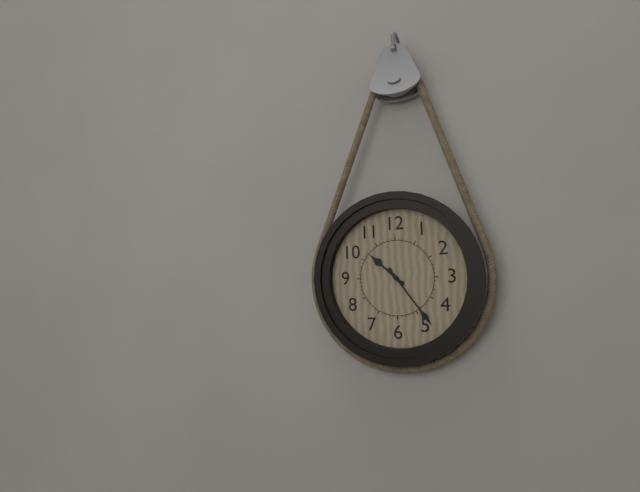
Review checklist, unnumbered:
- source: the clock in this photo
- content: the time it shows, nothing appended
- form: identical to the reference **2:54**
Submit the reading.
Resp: **10:24**
